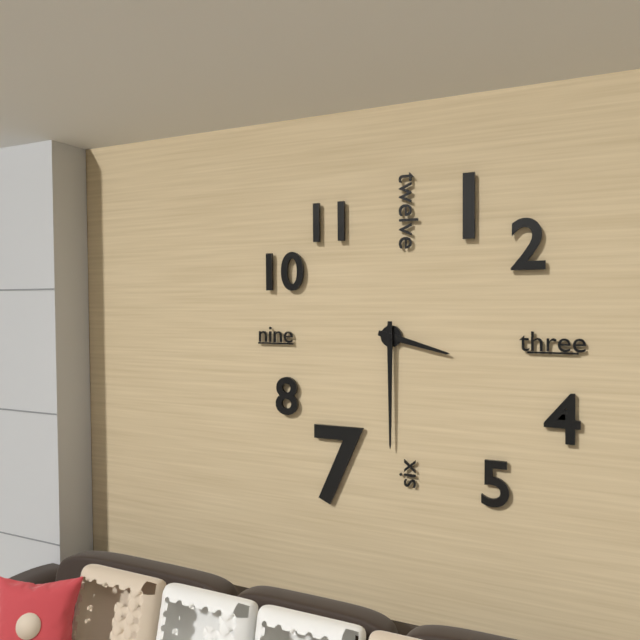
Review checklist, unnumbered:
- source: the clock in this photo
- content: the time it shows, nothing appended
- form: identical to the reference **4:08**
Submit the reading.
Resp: **3:30**
